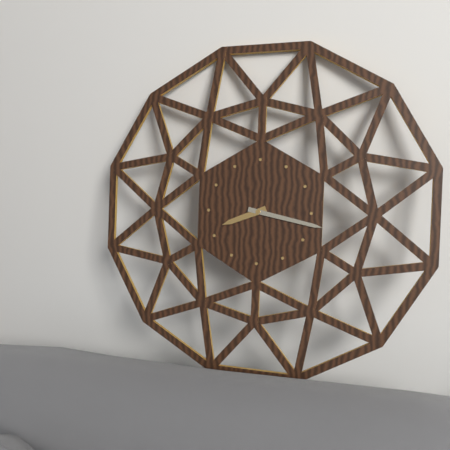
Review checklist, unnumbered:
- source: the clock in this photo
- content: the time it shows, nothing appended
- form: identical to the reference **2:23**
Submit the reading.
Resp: **8:17**
